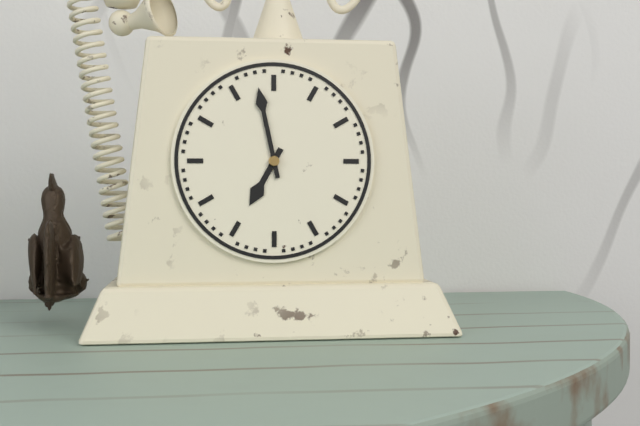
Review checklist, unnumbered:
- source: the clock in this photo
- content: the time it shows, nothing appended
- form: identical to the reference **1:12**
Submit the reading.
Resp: **6:58**
